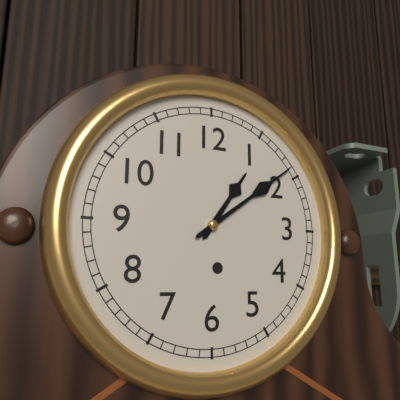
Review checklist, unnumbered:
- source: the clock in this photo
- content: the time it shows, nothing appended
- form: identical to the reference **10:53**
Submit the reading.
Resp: **1:09**
